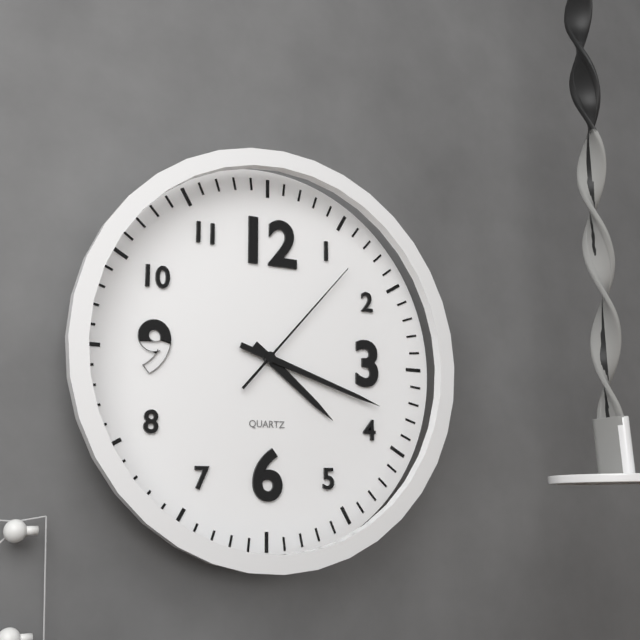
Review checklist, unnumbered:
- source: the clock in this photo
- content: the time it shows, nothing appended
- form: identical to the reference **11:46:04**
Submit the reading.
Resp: **4:18:07**
